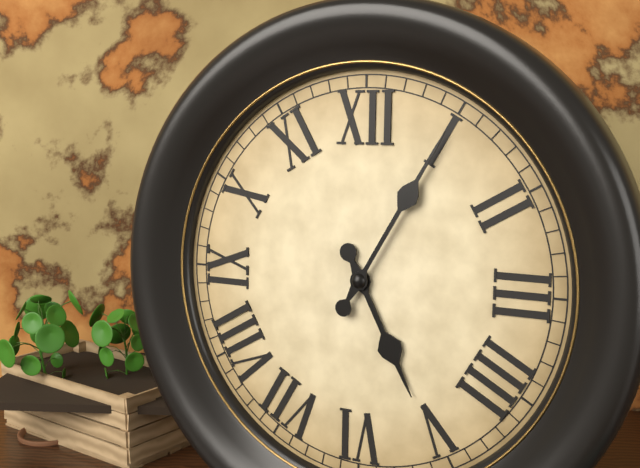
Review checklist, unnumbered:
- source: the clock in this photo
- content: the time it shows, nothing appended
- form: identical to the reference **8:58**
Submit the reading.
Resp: **5:05**
